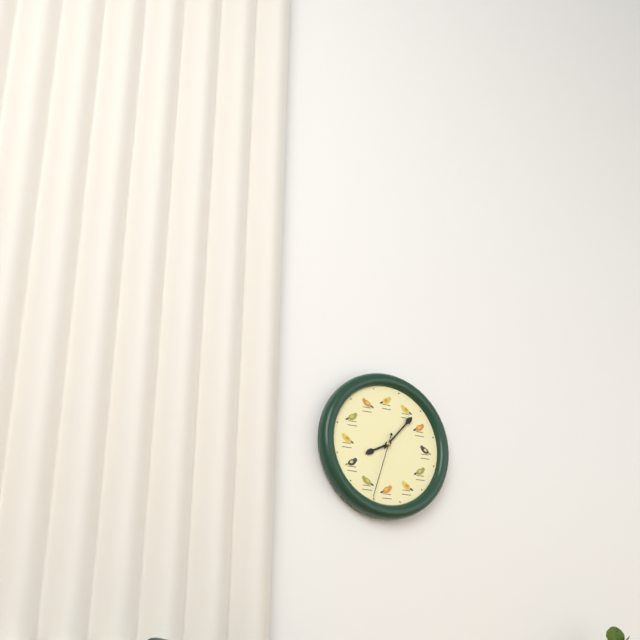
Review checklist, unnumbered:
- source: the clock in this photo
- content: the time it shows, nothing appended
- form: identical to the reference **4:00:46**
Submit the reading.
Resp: **8:07:33**
